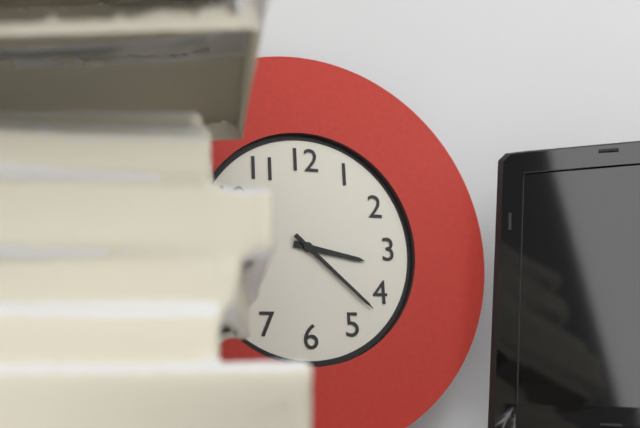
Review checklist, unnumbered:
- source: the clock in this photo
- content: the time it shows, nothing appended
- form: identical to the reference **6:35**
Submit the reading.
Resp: **3:22**
